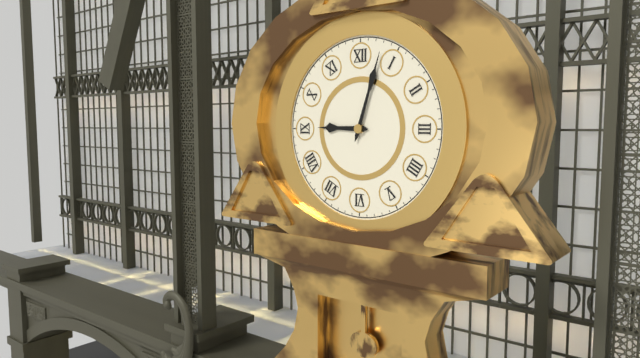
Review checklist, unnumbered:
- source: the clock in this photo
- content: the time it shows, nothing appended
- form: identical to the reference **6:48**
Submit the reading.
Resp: **9:03**
